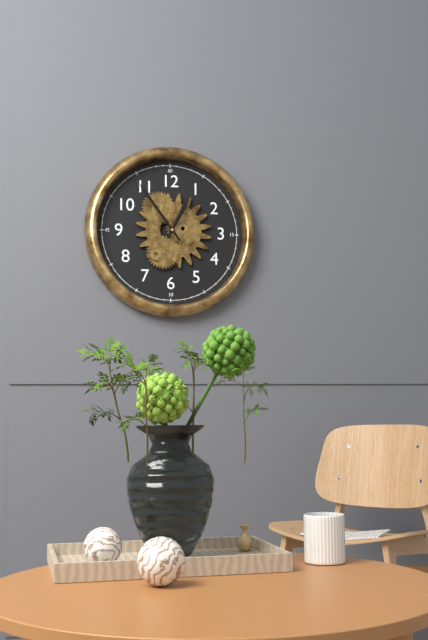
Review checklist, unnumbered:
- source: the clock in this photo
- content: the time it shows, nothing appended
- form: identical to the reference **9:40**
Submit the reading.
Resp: **12:54**
